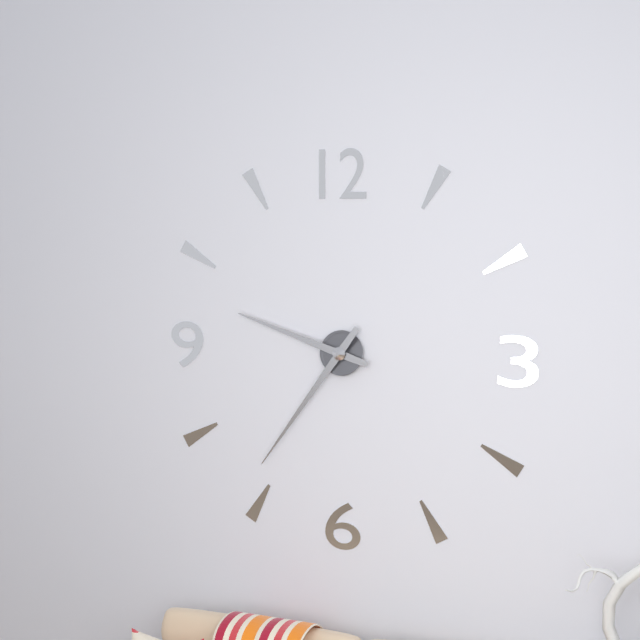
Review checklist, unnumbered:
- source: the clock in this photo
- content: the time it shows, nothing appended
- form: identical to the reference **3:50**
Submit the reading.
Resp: **9:36**
